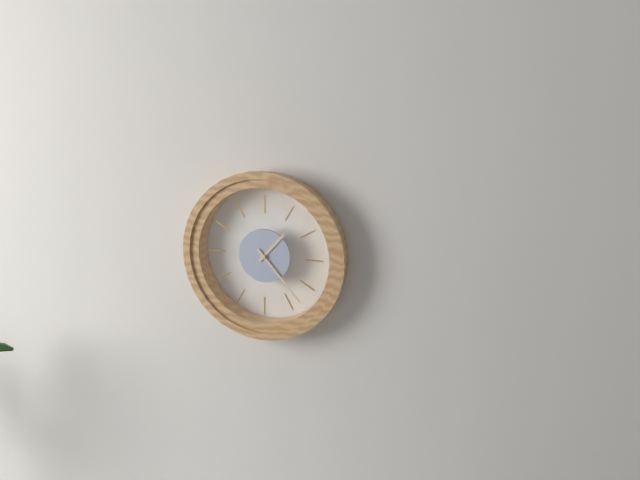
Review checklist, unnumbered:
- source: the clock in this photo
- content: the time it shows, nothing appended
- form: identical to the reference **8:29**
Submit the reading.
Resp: **1:23**
